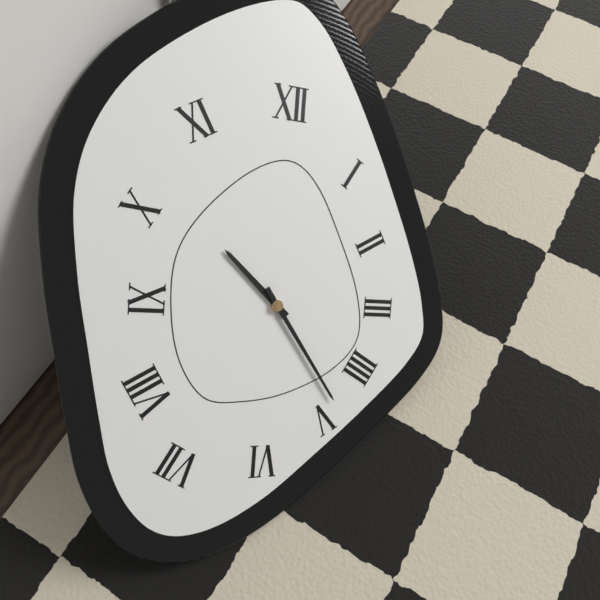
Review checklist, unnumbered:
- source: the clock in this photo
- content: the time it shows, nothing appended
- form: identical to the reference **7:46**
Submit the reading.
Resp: **10:24**
